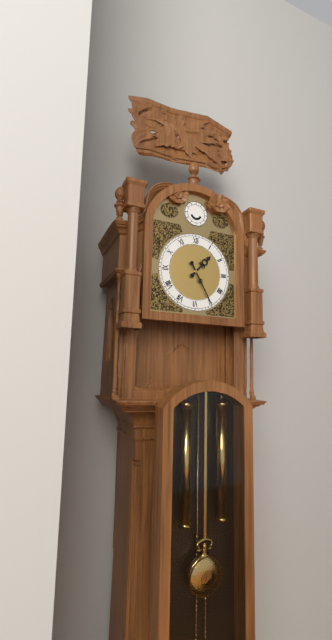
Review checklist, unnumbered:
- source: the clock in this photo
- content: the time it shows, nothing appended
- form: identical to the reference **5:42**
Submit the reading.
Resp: **1:25**
